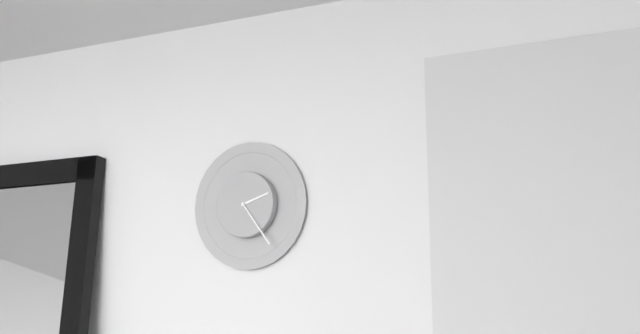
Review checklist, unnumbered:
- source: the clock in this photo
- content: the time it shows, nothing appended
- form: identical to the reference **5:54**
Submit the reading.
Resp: **2:24**
